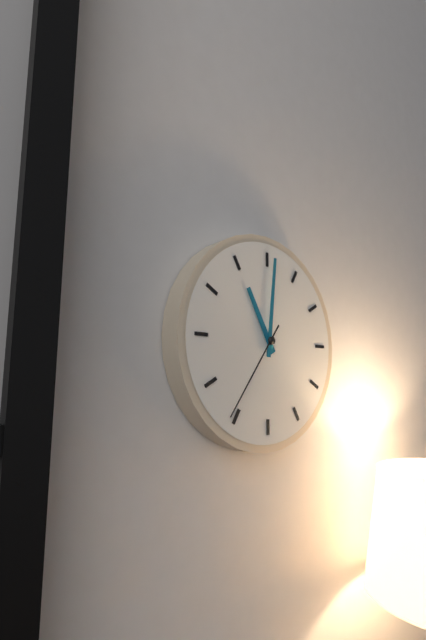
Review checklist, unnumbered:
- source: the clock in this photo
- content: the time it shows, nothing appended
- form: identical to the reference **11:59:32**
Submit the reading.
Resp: **11:01:36**
